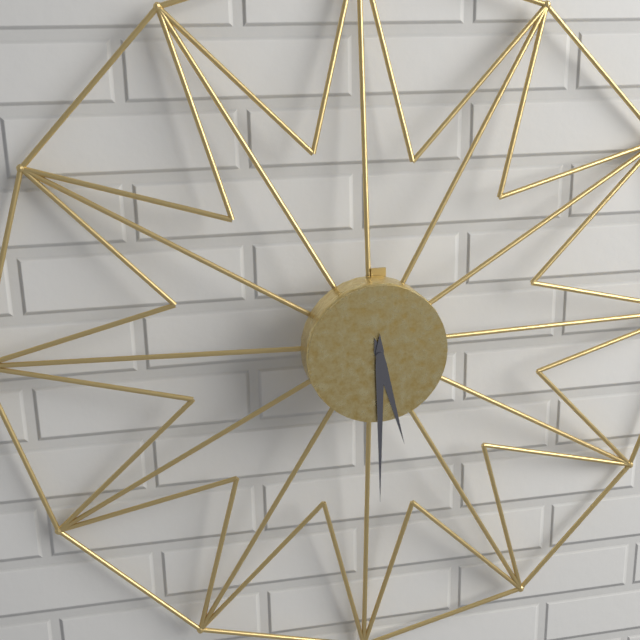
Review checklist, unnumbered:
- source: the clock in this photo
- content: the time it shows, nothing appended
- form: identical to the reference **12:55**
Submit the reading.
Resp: **5:30**
